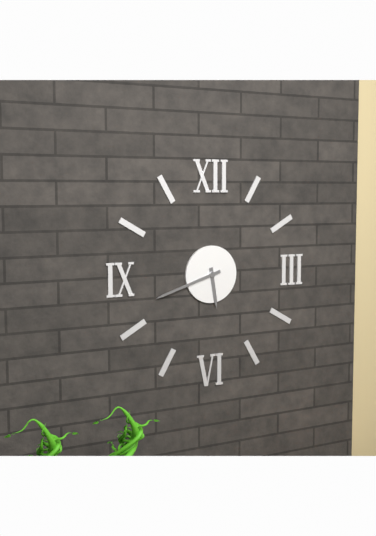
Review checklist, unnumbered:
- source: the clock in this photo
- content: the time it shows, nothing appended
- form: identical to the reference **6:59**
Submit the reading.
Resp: **5:42**
